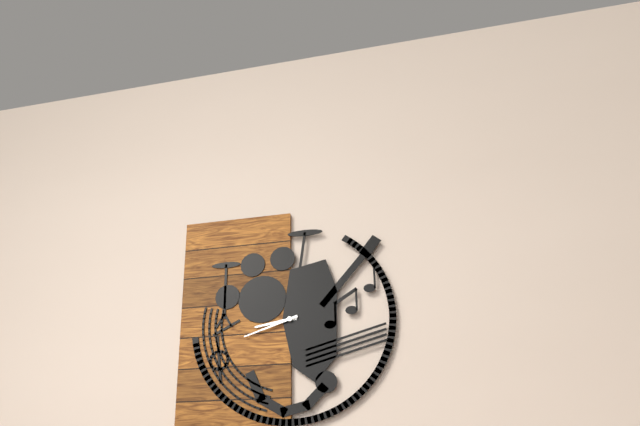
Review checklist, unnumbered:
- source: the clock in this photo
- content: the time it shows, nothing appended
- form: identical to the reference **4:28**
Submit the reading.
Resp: **8:42**
